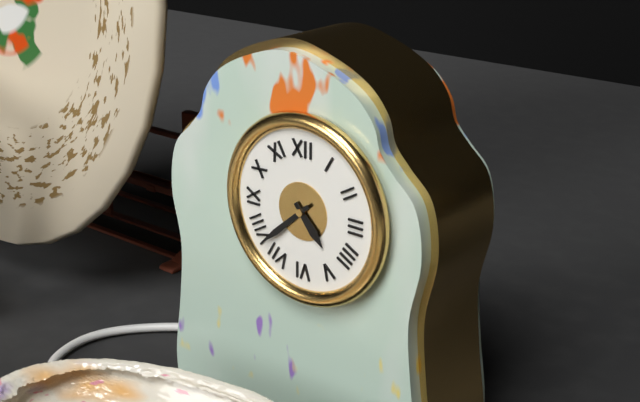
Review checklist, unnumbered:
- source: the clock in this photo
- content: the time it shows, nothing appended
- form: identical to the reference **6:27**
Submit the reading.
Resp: **4:38**
